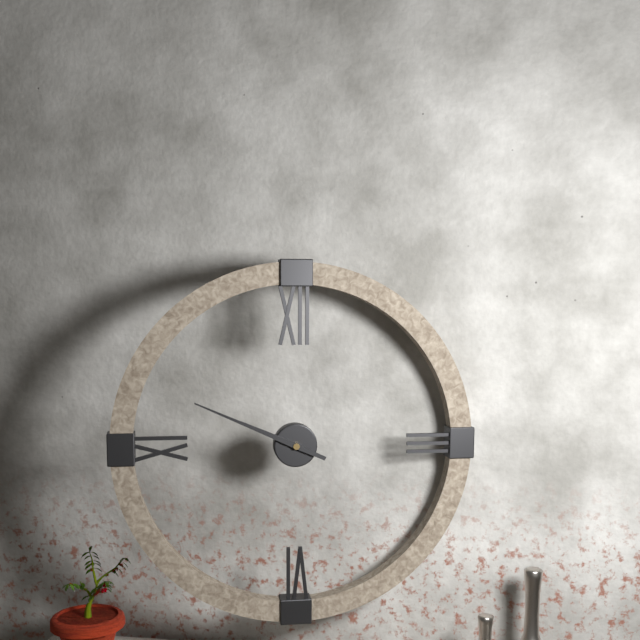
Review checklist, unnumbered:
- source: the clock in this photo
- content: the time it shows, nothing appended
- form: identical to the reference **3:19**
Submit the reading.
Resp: **9:49**
